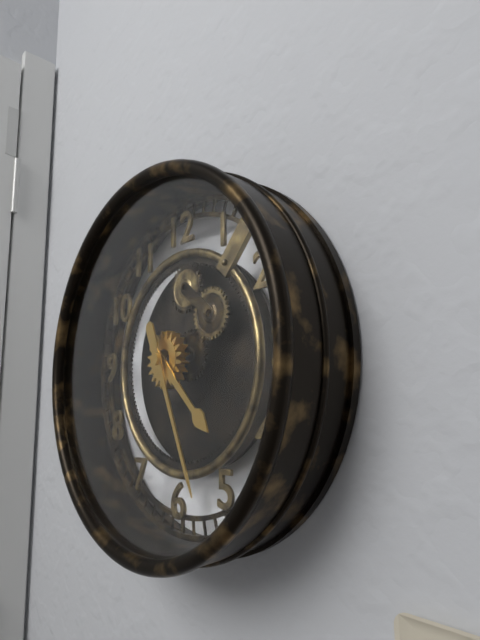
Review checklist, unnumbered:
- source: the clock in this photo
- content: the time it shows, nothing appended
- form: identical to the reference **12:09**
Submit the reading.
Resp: **4:26**
